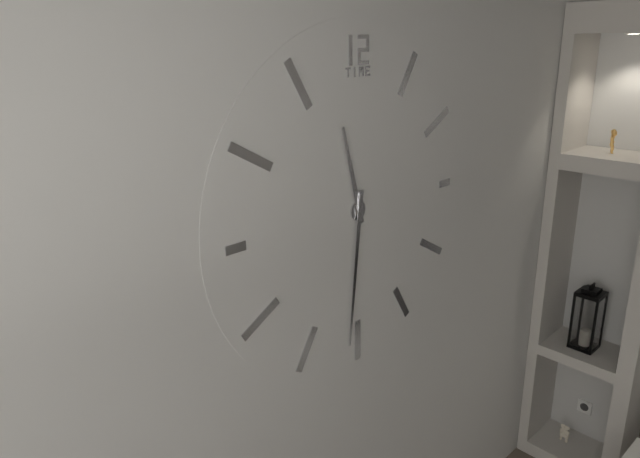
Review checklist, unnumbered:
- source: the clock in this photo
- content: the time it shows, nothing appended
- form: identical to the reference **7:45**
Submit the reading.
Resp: **11:31**
